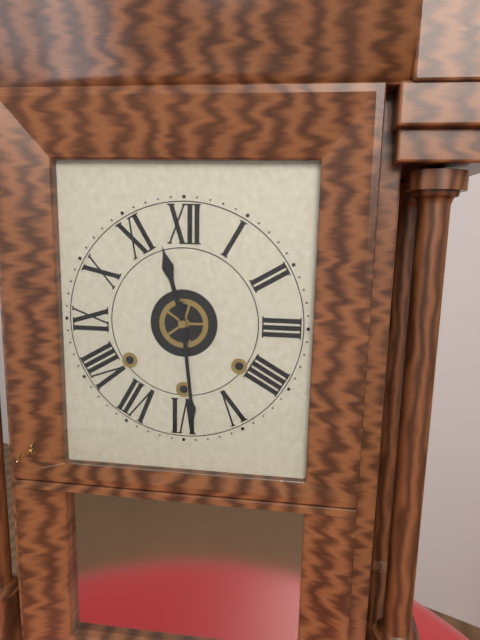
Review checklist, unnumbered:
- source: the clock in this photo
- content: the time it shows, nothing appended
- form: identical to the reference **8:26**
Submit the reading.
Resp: **11:29**
